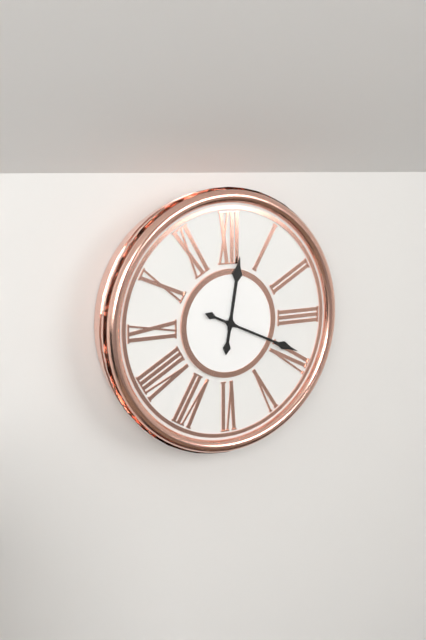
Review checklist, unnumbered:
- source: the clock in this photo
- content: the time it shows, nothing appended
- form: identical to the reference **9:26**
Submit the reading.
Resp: **12:19**
